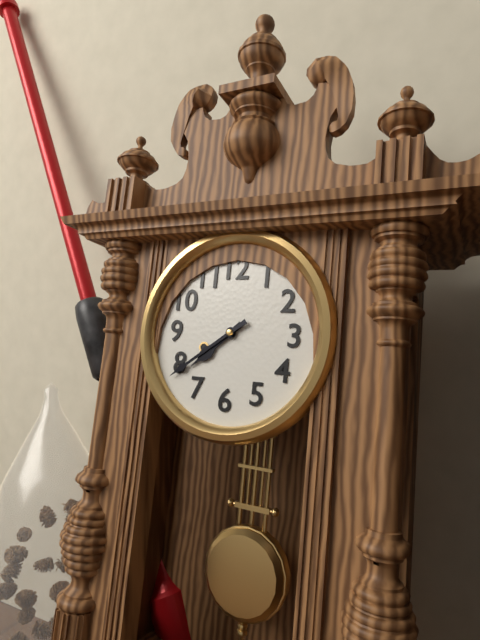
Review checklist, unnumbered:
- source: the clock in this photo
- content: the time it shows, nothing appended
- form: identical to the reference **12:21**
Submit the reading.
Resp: **7:39**
